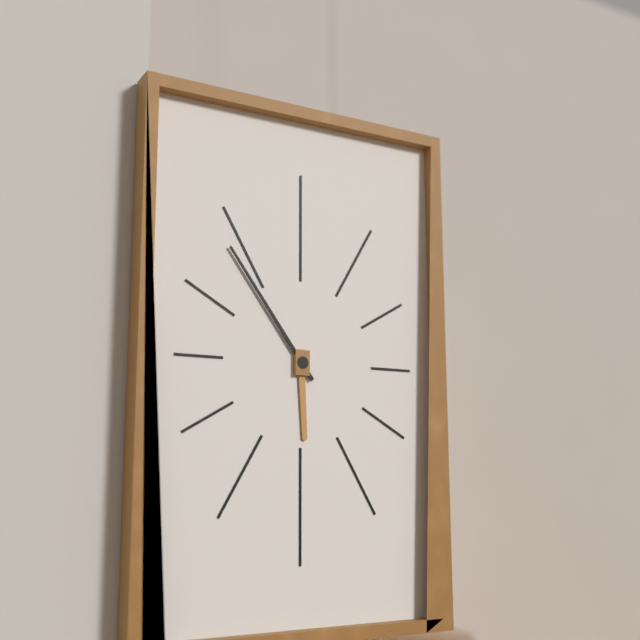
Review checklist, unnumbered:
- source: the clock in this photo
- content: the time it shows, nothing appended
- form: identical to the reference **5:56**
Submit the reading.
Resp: **5:54**
